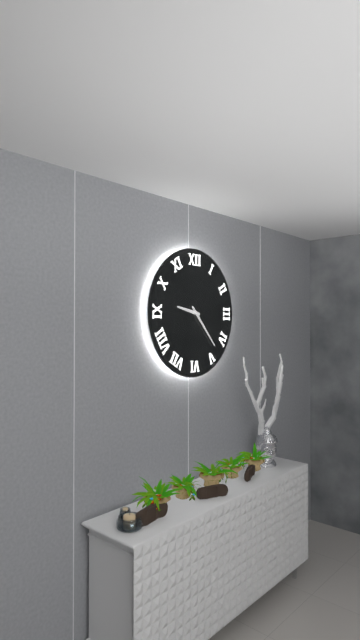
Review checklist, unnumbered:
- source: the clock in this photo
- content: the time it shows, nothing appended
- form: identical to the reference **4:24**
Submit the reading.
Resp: **9:23**
